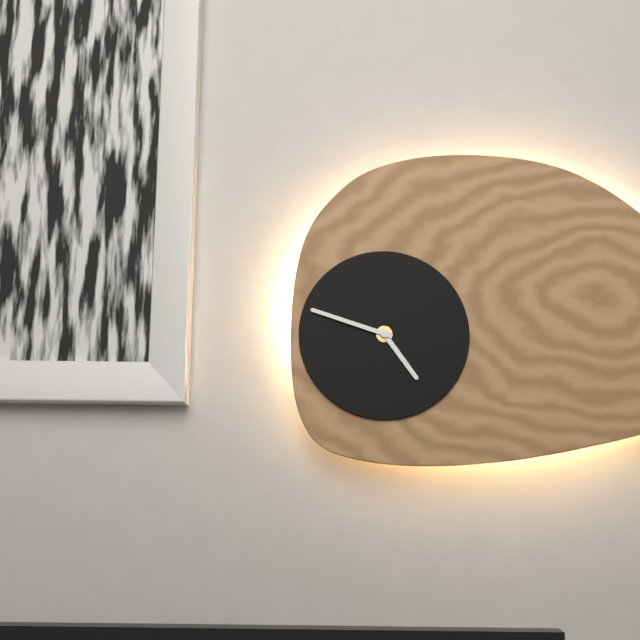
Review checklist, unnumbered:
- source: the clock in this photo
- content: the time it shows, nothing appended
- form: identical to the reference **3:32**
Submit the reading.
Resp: **4:48**
